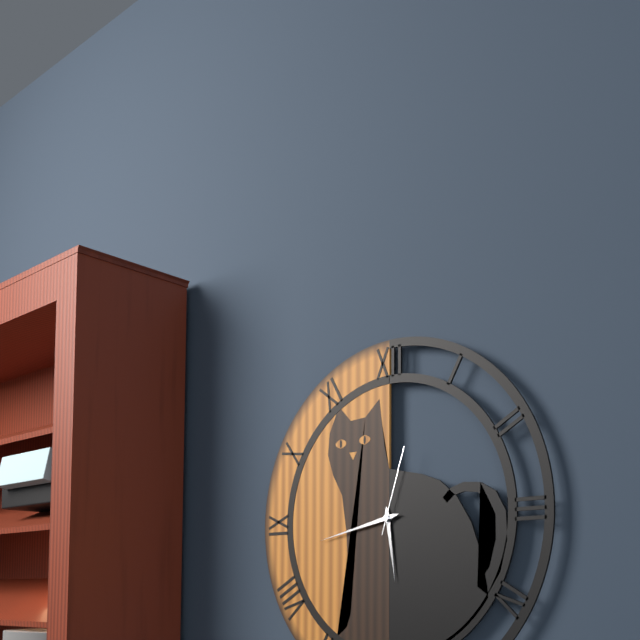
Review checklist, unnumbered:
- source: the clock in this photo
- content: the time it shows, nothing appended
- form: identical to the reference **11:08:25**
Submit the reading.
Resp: **5:43:03**
